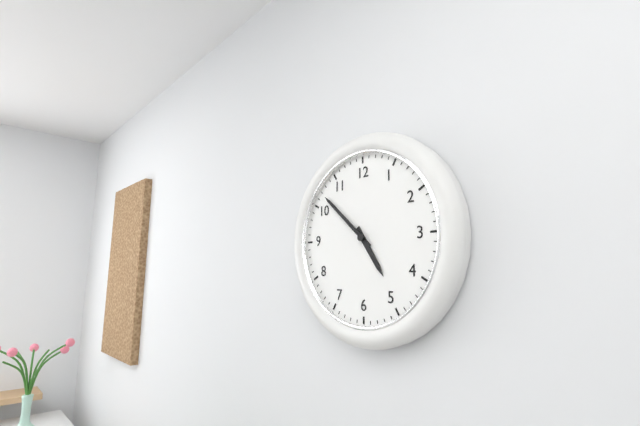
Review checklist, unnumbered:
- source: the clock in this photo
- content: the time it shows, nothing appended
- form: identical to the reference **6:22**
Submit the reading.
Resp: **4:52**
